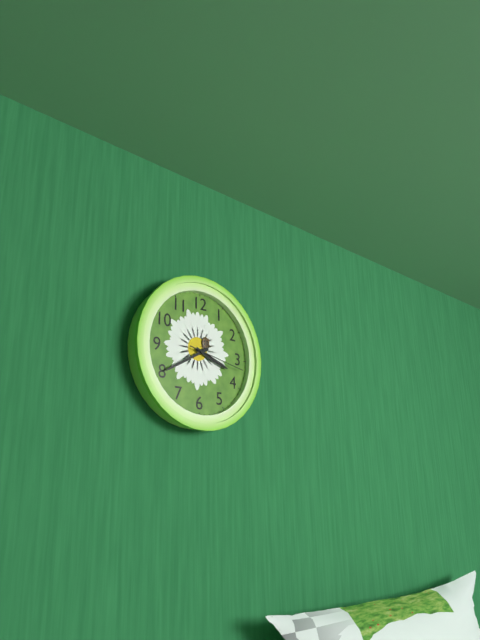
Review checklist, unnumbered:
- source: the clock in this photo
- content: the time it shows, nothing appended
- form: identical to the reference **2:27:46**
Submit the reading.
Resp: **3:40:17**
